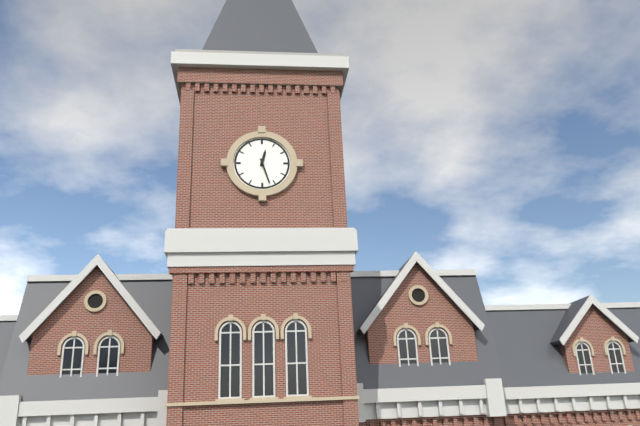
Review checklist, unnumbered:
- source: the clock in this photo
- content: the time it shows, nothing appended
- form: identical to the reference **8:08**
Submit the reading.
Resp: **12:27**
